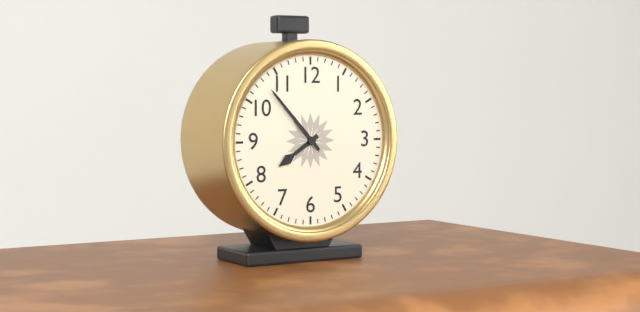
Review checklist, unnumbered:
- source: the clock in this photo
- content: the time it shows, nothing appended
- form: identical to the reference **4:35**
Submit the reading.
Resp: **7:53**
